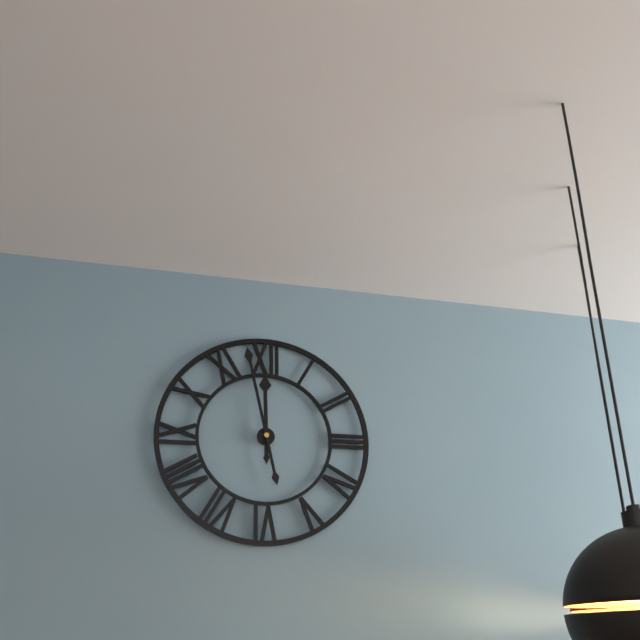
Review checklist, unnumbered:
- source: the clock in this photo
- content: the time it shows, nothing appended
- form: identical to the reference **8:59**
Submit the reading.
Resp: **11:58**
